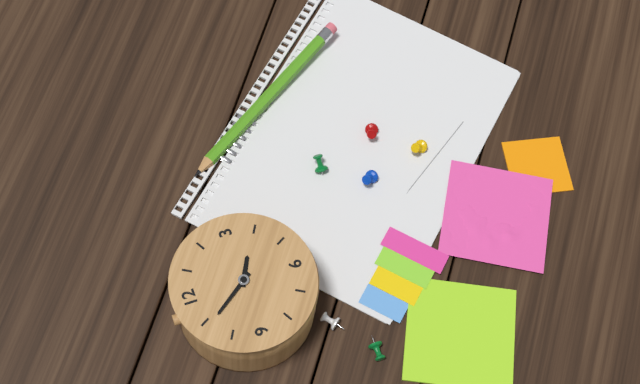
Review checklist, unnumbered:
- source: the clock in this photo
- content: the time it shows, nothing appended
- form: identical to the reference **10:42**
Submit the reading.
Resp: **3:54**
